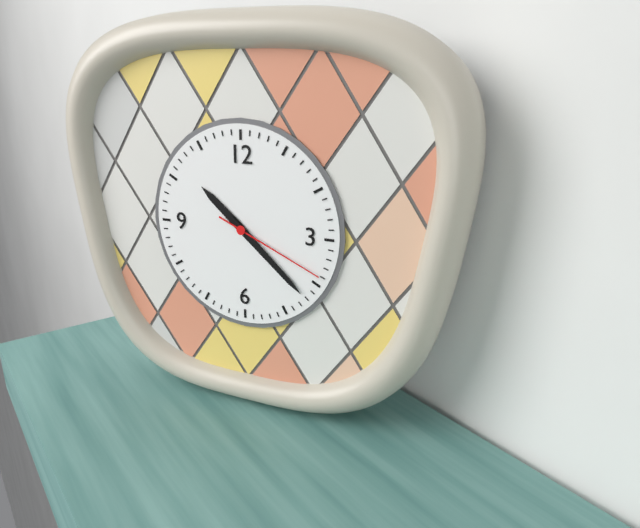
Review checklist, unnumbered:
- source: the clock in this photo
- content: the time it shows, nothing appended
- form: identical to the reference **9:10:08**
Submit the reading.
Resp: **10:22:19**
